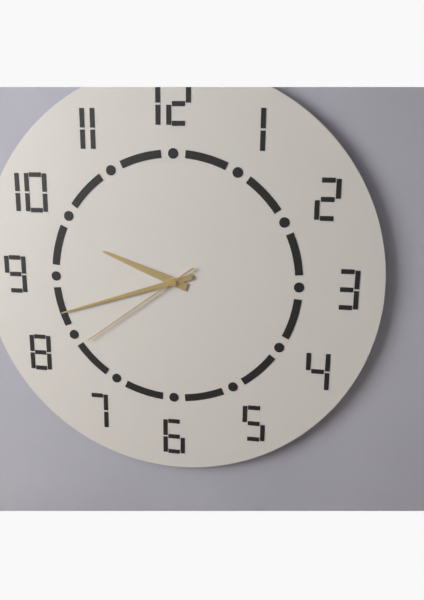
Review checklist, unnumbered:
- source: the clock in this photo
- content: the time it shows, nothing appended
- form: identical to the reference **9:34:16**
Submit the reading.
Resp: **9:42:39**
